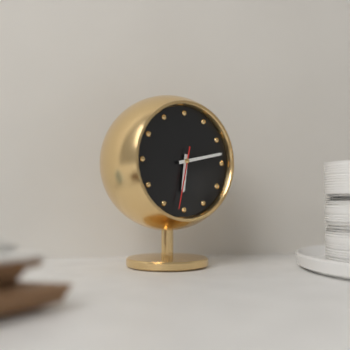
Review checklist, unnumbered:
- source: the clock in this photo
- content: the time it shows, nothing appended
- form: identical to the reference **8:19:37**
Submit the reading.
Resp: **6:13:32**
